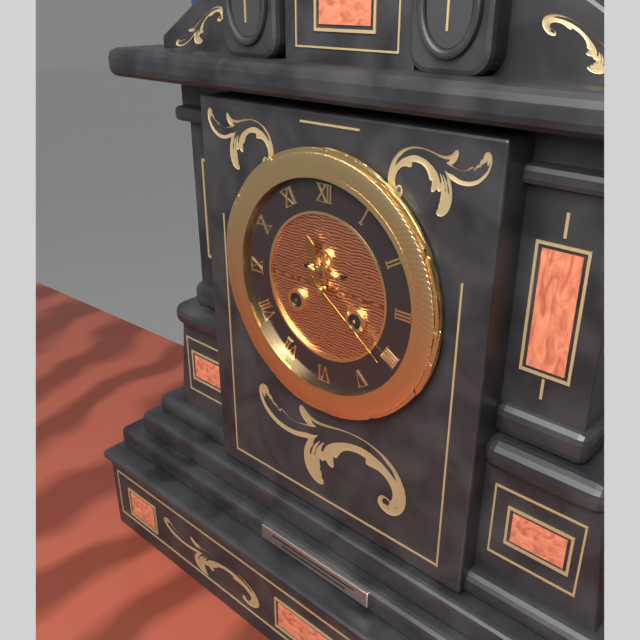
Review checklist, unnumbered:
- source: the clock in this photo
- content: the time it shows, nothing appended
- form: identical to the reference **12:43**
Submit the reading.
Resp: **11:21**
